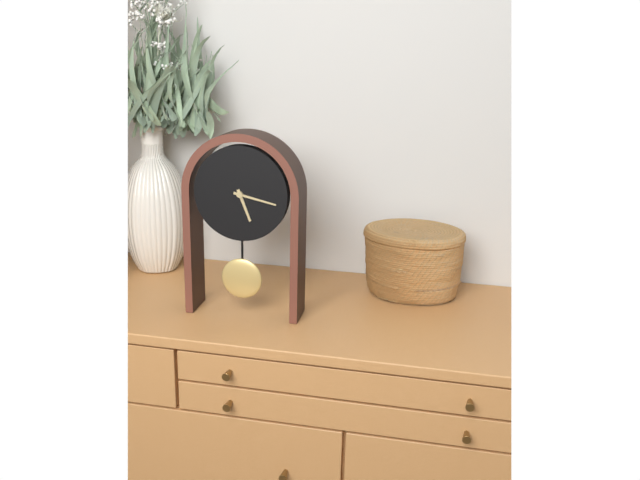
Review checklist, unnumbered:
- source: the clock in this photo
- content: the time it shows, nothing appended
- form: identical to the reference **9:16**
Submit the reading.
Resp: **5:17**
